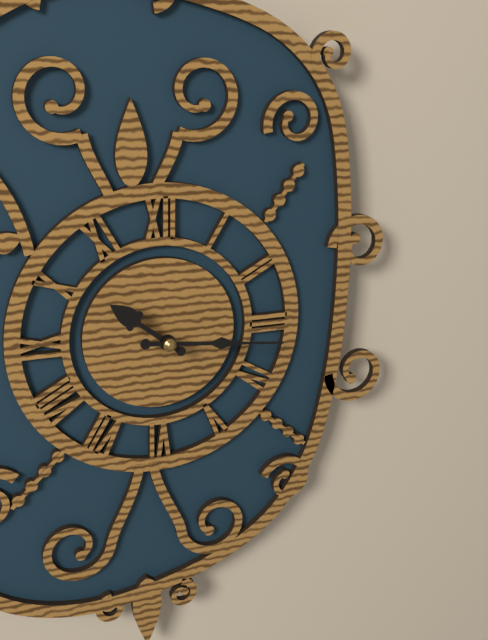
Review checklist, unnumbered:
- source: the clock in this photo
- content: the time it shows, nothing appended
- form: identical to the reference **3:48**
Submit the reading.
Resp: **10:16**
